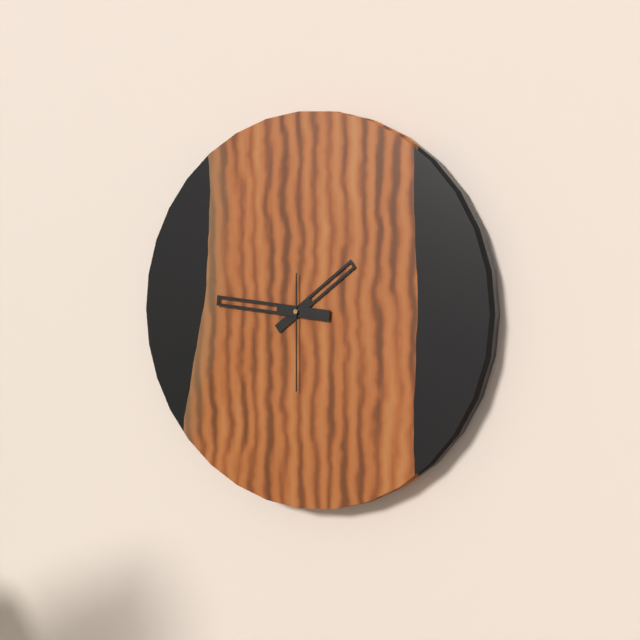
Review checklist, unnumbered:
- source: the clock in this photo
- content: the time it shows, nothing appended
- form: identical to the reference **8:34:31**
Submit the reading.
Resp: **1:46:30**
